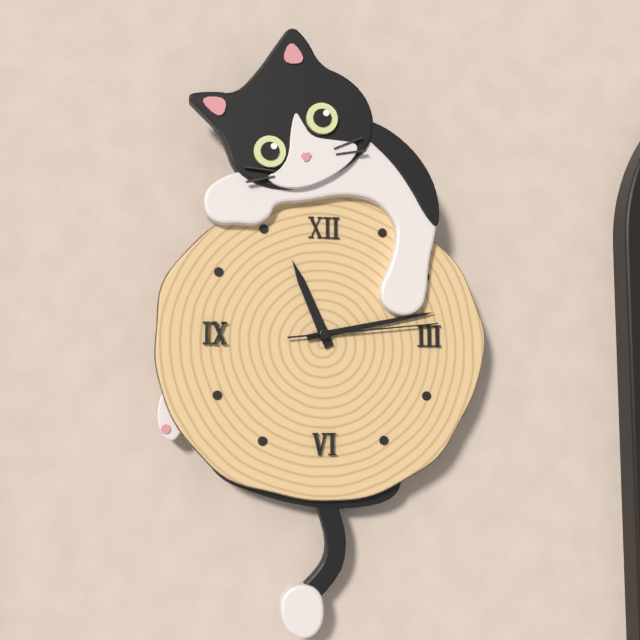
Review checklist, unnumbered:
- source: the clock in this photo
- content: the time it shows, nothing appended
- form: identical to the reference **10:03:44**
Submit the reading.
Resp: **11:13:14**
